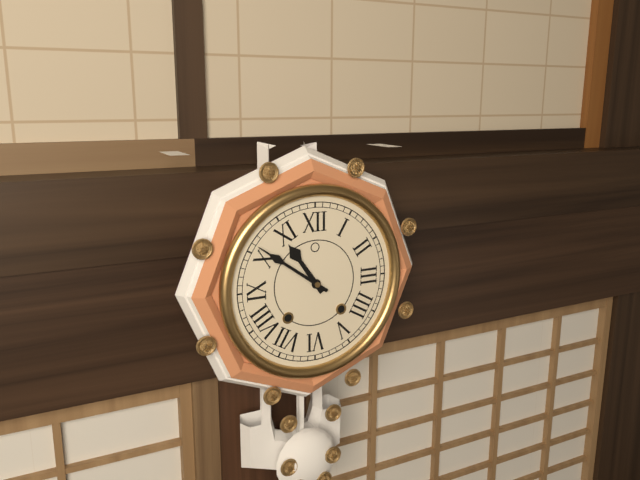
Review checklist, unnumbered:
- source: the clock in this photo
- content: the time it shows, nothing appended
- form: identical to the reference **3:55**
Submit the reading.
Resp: **10:51**
